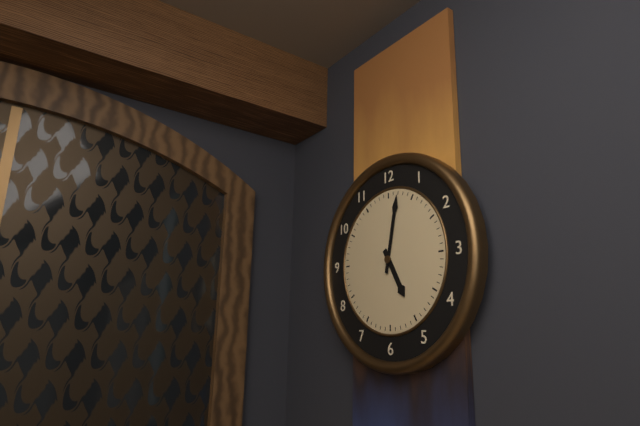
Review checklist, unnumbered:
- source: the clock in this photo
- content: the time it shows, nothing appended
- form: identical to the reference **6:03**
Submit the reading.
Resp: **5:02**
